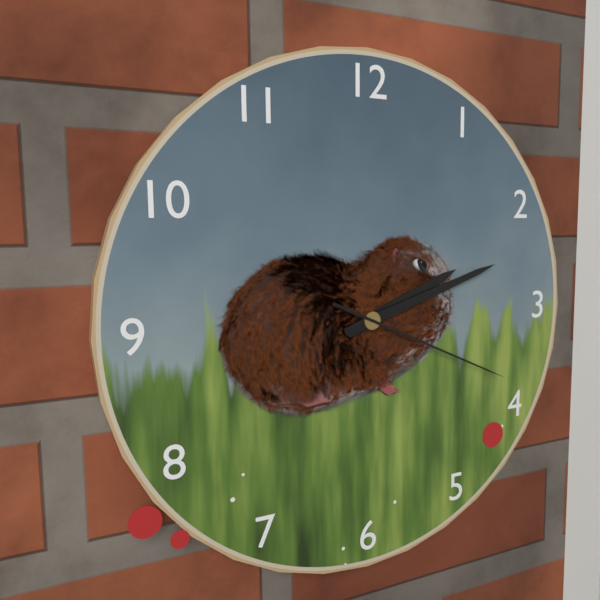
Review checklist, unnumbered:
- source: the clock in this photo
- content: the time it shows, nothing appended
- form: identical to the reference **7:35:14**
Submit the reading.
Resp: **2:12:19**
